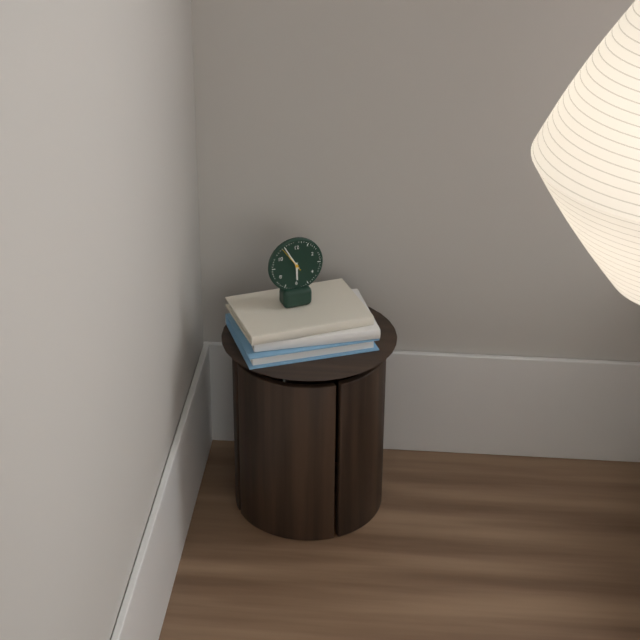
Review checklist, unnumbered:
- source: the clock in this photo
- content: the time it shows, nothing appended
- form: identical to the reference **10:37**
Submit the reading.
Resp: **5:55**
